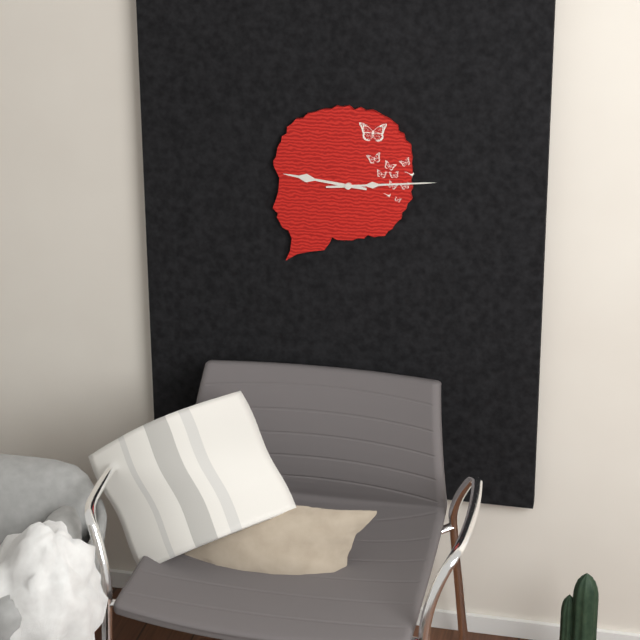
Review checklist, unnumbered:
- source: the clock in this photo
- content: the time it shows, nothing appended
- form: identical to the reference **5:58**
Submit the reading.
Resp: **9:14**
